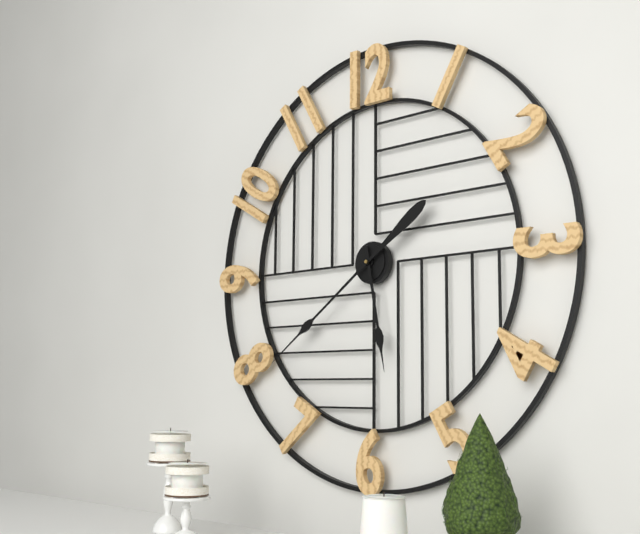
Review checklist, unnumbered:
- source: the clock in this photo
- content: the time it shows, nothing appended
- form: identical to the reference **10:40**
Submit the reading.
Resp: **5:39**
